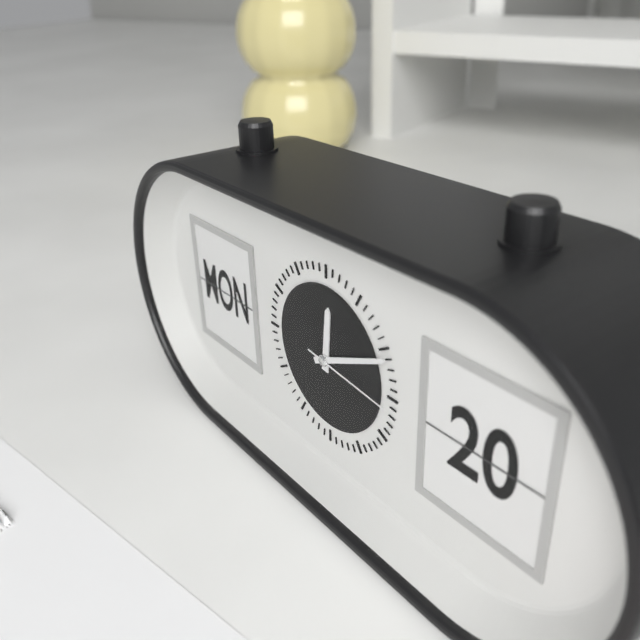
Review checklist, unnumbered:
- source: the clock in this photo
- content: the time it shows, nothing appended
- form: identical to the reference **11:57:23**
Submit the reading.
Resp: **12:11:16**
